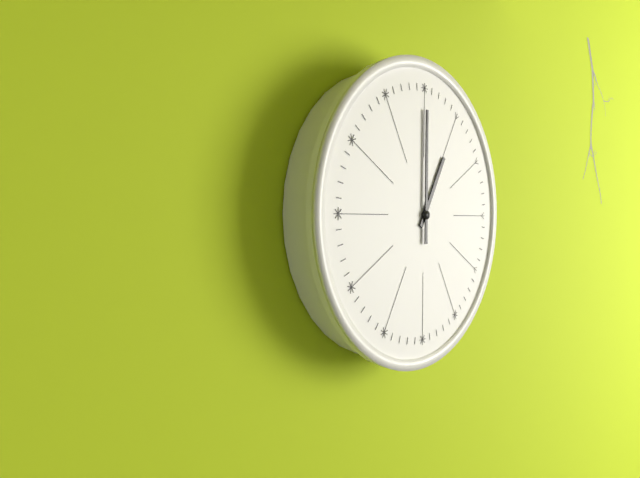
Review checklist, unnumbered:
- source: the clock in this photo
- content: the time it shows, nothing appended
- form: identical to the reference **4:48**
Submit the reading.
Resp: **1:00**
